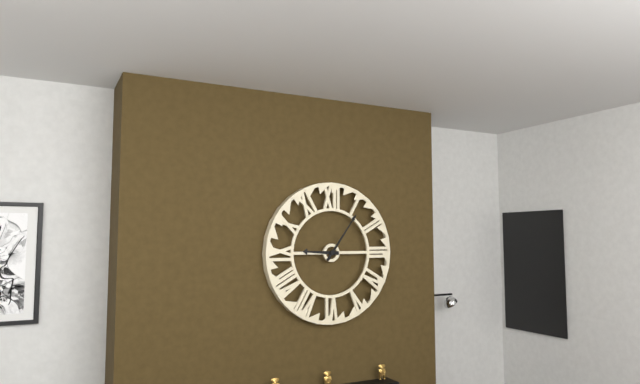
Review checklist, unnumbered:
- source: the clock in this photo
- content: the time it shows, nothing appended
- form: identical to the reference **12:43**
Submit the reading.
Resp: **9:06**
